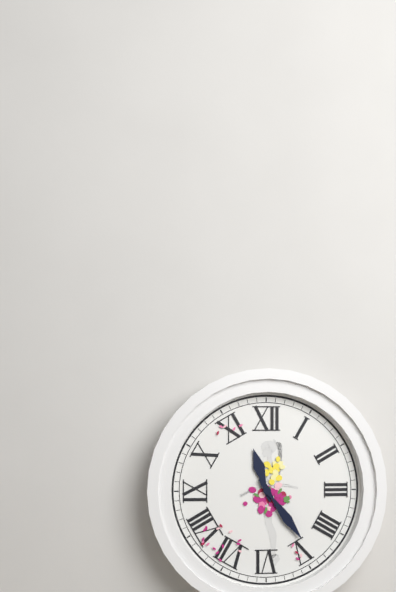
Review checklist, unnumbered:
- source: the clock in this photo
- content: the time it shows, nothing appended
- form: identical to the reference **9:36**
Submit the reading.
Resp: **11:24**
